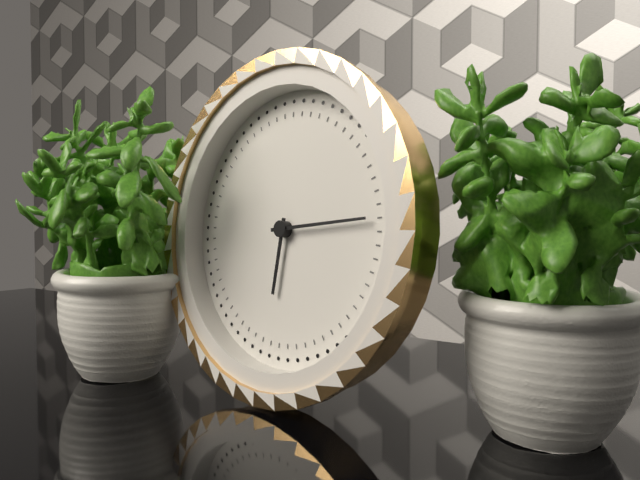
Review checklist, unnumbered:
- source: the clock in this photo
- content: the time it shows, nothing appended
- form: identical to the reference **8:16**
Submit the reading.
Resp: **6:14**
